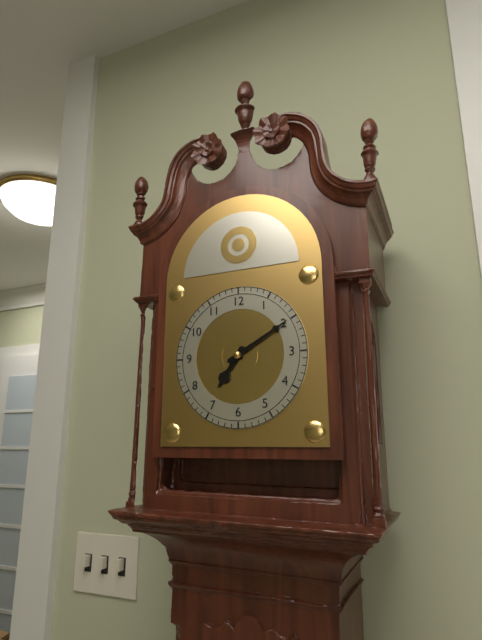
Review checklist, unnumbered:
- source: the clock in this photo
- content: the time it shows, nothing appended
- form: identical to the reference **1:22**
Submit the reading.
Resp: **7:10**
